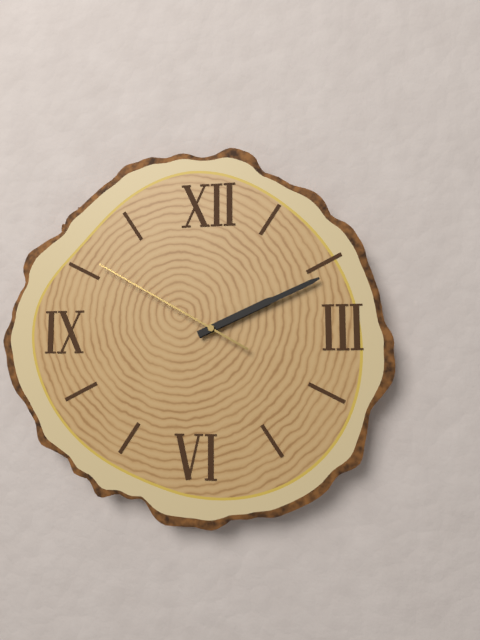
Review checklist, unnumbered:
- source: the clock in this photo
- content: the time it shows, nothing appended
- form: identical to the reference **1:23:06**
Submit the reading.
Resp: **2:11:50**
